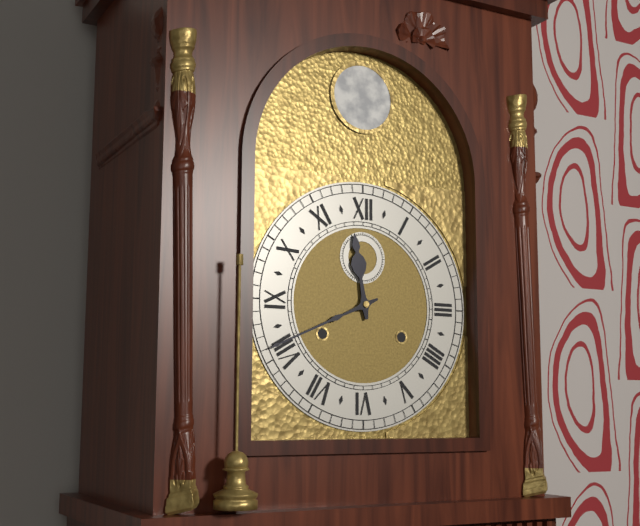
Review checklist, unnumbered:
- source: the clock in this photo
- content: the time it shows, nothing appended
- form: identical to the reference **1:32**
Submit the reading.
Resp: **11:41**
